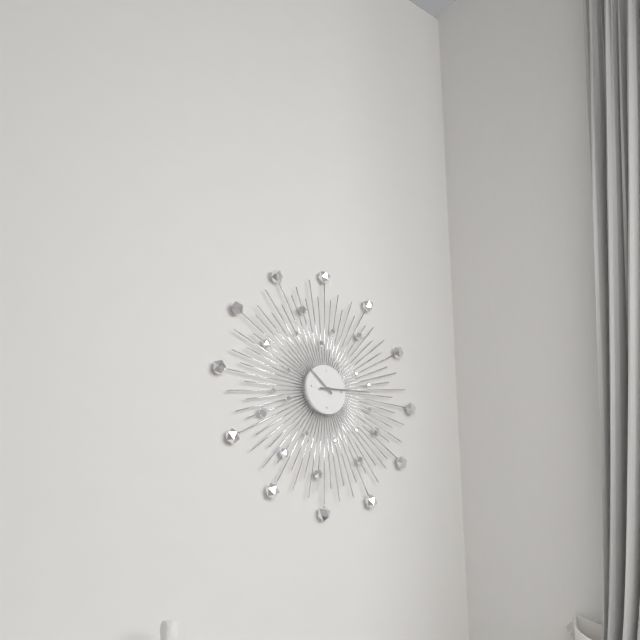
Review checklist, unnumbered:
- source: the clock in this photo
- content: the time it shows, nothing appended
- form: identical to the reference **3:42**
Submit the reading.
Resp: **10:14**
